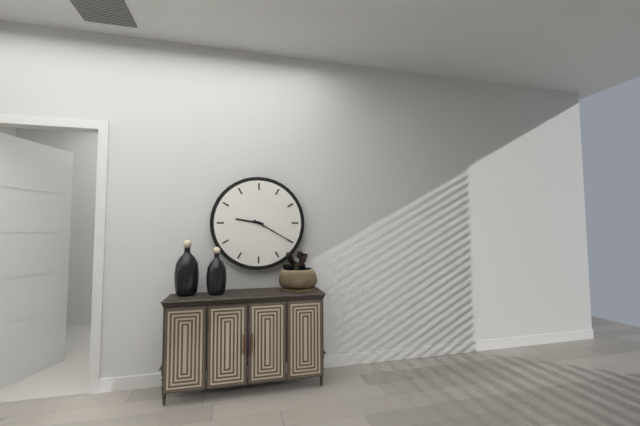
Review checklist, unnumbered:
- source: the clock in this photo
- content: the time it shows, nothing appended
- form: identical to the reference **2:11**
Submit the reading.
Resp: **9:20**
